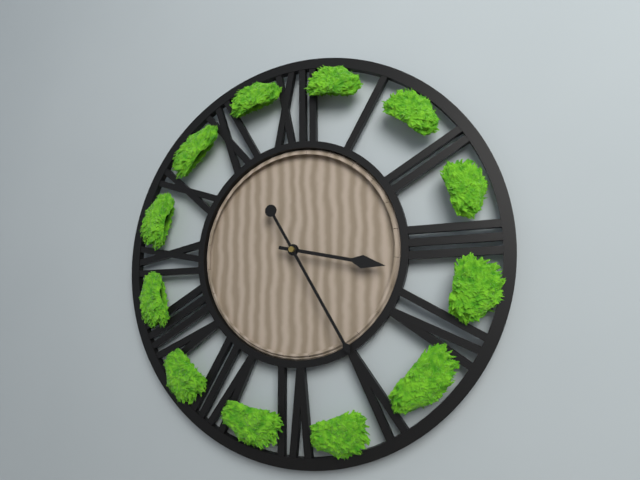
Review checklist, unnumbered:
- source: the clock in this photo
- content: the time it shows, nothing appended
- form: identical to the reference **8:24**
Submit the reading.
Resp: **3:25**
